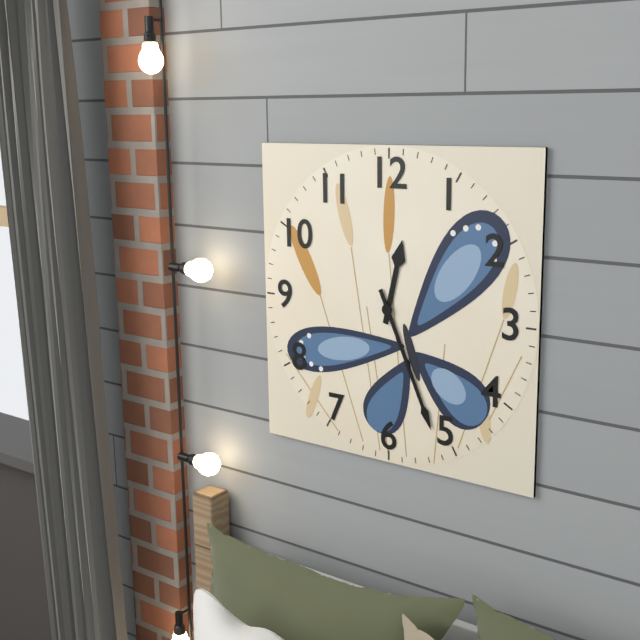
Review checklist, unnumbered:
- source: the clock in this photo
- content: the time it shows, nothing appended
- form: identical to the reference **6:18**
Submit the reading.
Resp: **12:26**
